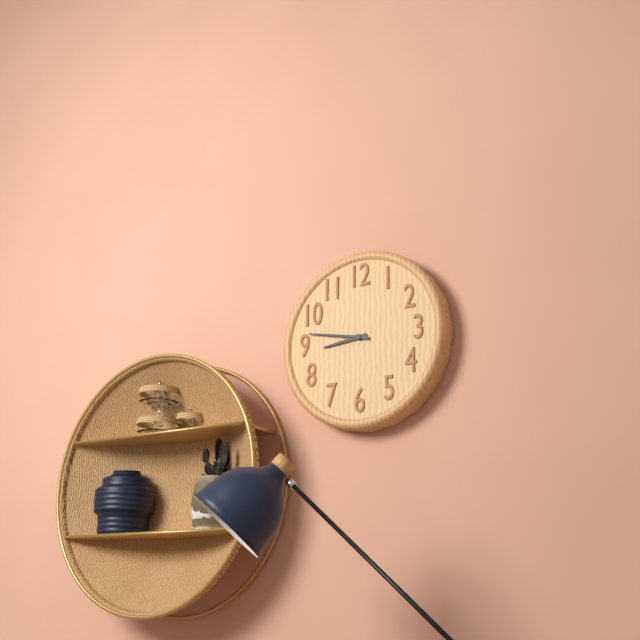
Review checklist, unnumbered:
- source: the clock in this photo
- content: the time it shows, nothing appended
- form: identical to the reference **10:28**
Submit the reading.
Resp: **8:47**
